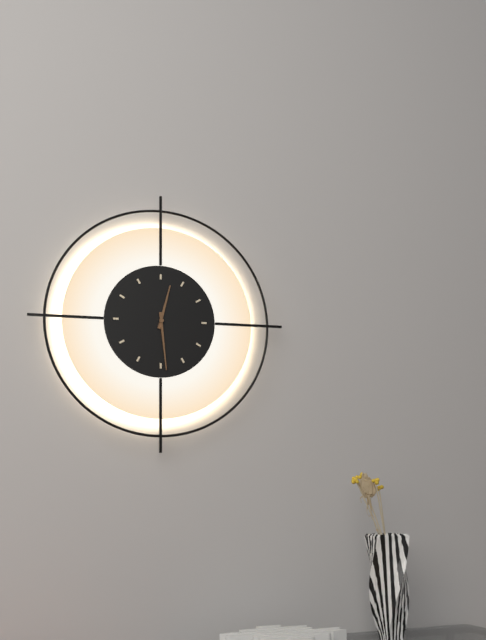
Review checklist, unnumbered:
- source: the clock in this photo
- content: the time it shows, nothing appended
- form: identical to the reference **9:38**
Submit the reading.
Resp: **12:29**
